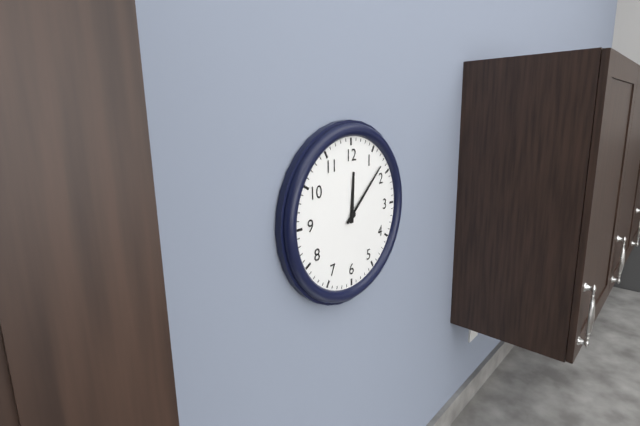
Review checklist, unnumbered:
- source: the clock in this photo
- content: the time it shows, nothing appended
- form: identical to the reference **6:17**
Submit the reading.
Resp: **12:08**
